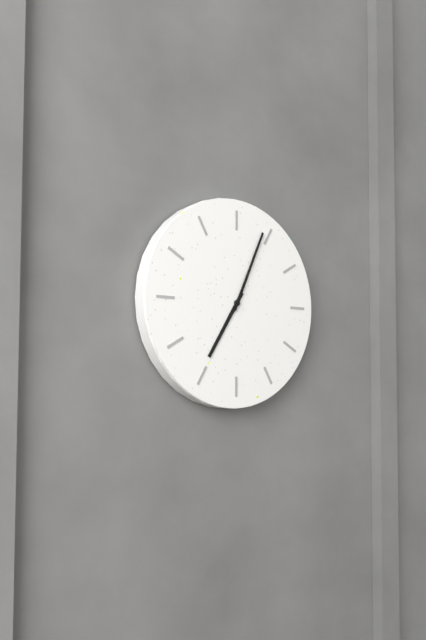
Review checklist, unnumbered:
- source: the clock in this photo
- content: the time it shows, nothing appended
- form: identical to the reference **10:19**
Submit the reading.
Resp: **7:04**
